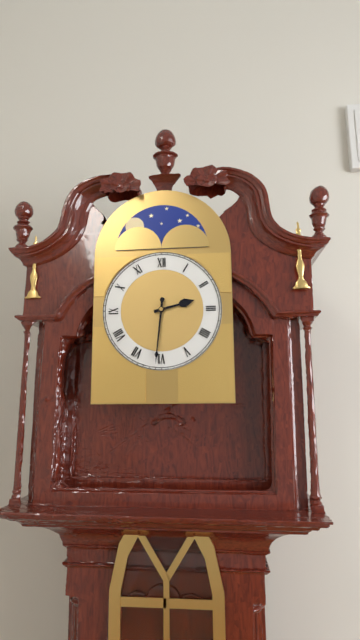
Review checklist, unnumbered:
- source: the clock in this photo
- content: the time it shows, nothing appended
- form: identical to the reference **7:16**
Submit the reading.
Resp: **2:31**
